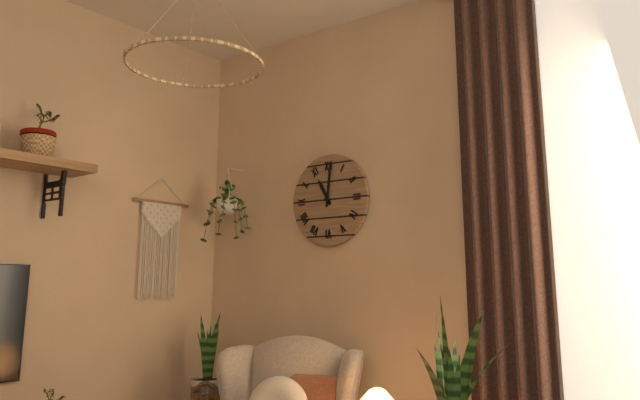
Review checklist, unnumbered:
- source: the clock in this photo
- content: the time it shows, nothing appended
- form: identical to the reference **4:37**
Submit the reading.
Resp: **11:01**
